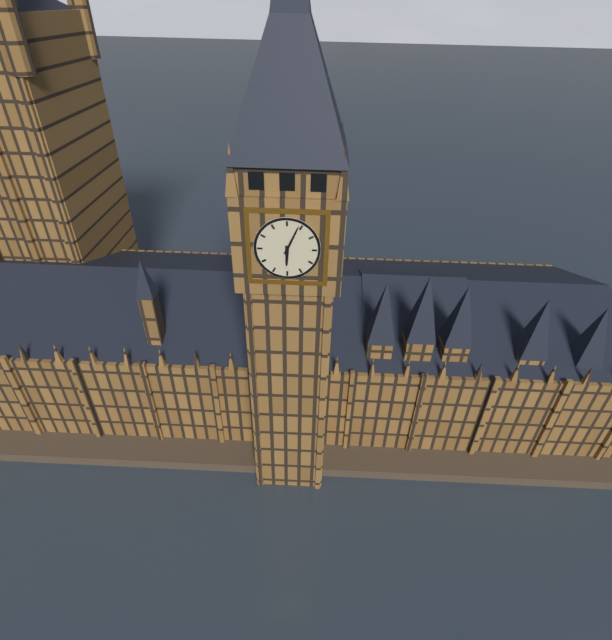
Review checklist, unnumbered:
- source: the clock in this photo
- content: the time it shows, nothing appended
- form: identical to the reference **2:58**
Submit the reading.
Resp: **6:04**
